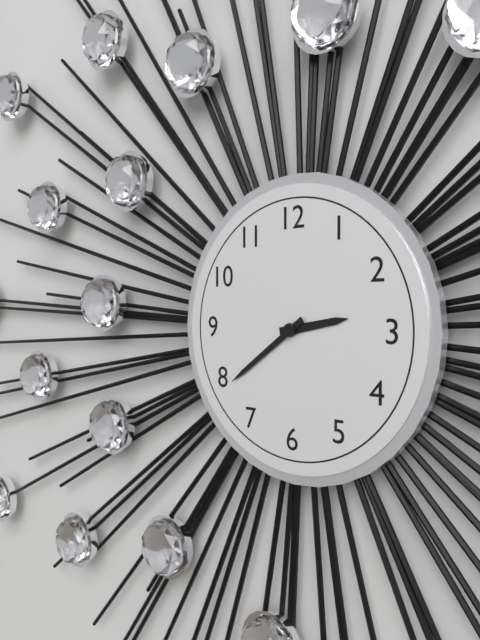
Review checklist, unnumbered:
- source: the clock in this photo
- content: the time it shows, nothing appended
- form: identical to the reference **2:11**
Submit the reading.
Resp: **2:39**
